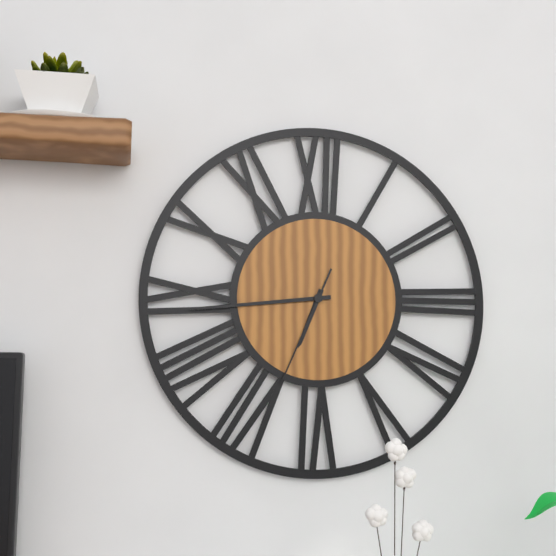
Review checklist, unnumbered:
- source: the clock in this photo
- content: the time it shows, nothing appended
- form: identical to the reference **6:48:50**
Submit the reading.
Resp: **6:44:34**
